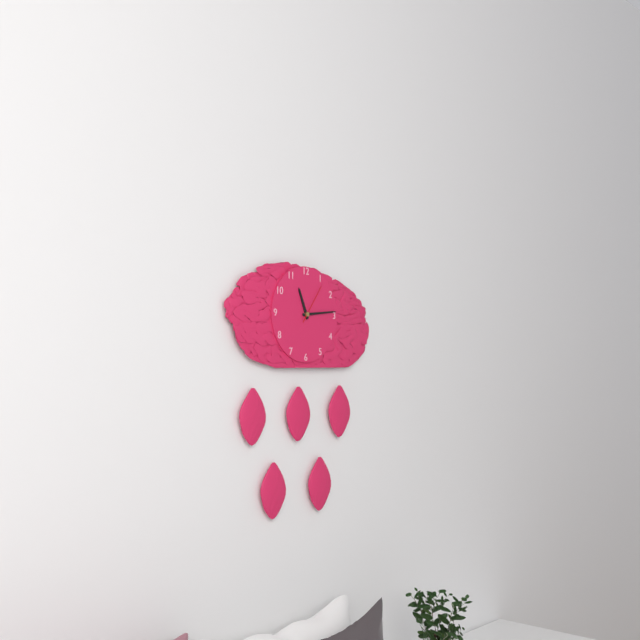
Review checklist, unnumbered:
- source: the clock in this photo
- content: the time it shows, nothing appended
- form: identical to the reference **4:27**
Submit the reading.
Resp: **11:14**
